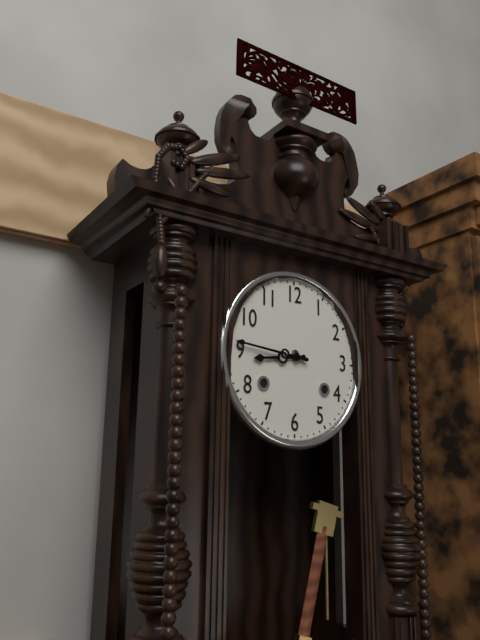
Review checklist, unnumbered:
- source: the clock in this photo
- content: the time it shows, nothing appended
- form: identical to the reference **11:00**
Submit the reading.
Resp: **8:46**
